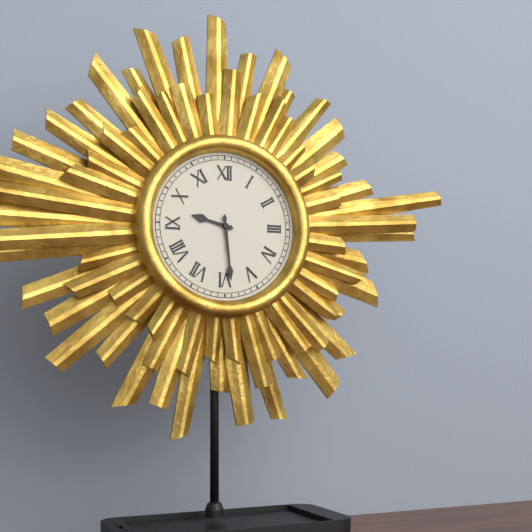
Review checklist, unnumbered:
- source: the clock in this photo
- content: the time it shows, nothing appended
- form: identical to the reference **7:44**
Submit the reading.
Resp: **9:29**
